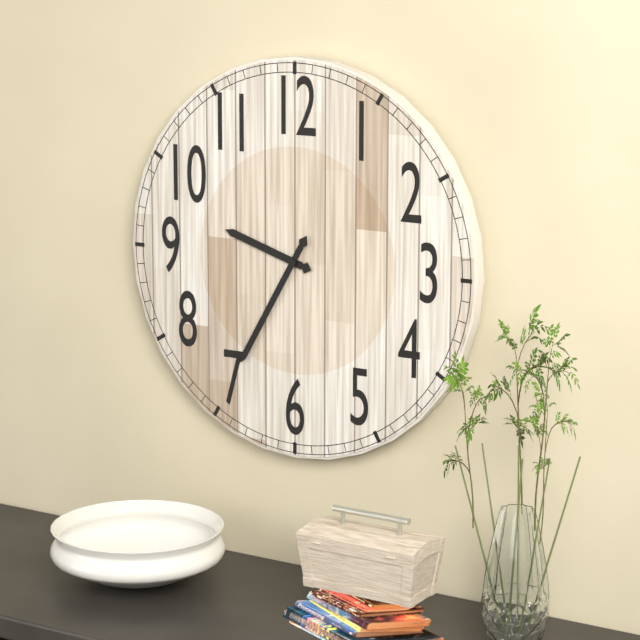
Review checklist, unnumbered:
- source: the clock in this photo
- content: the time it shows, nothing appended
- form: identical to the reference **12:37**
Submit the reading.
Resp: **9:35**
